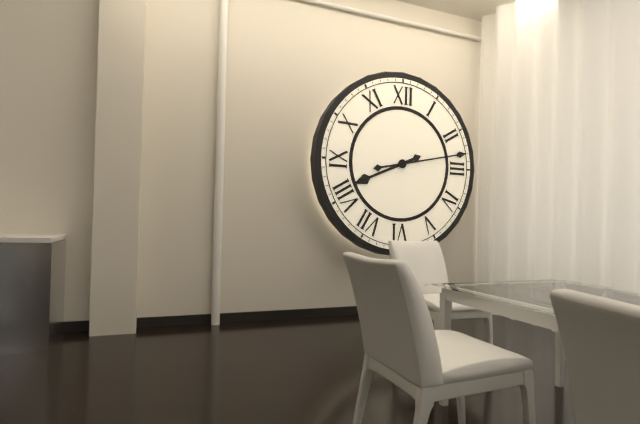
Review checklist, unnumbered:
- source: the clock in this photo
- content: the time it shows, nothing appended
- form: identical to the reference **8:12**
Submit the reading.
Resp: **8:13**
